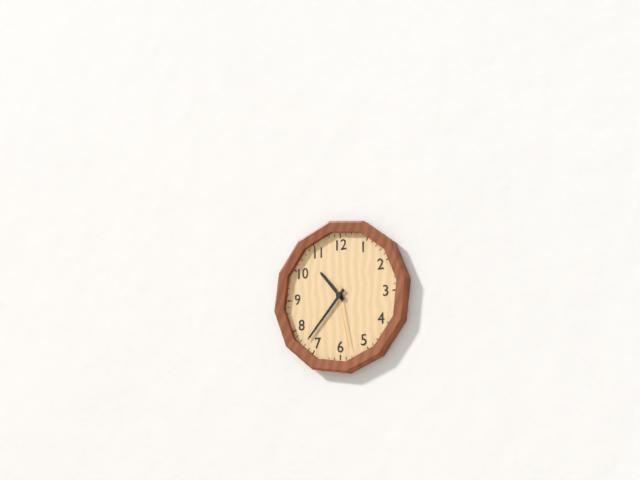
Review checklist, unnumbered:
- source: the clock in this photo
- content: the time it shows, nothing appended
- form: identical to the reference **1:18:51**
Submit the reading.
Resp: **10:37:28**
